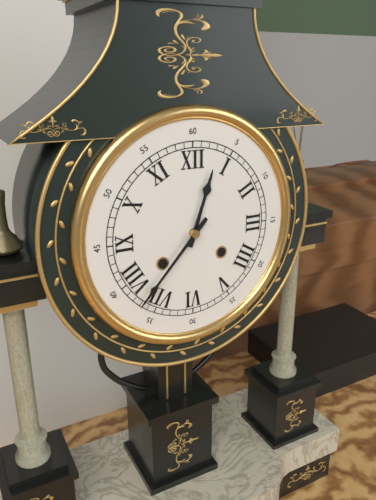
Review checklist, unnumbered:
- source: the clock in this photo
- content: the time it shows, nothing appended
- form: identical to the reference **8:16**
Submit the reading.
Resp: **12:37**
